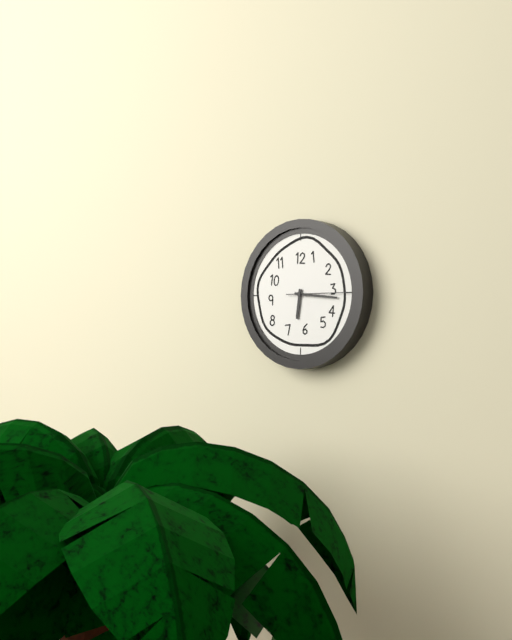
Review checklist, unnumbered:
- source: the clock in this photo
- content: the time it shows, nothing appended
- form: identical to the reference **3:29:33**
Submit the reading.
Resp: **6:16:15**
